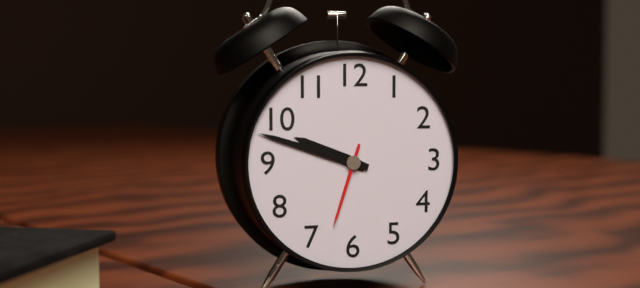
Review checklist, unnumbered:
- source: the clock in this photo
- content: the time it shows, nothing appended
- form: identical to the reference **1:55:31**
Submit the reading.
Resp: **9:48:33**
